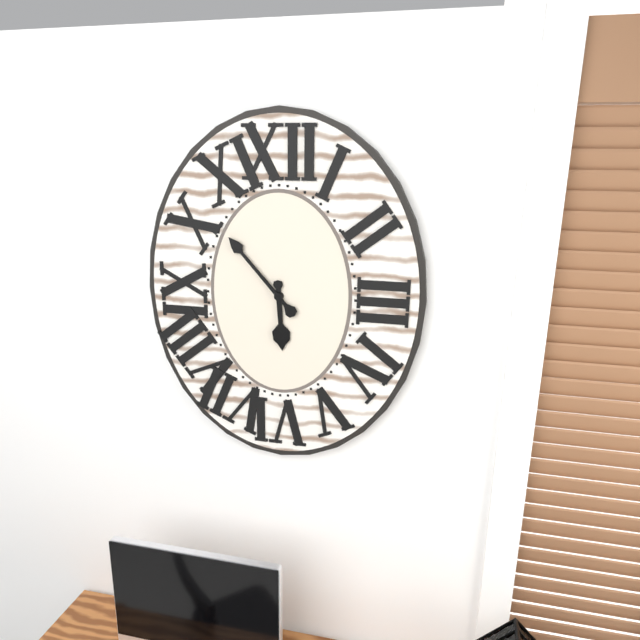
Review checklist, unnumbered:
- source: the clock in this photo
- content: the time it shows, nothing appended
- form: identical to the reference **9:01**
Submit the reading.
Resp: **5:53**
